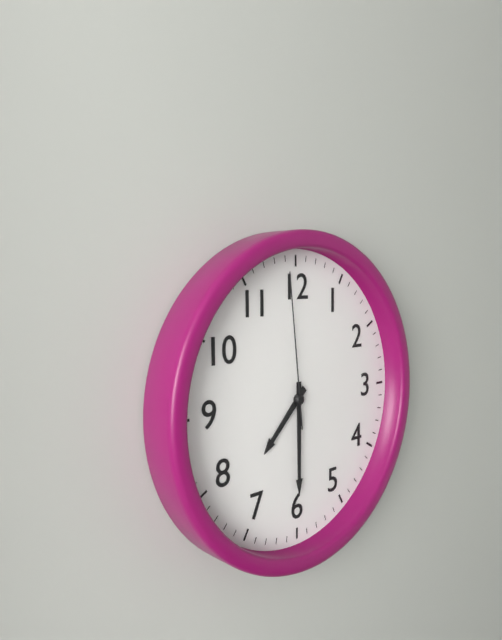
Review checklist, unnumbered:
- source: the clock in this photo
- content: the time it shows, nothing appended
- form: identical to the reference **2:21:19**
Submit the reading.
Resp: **7:30:59**
